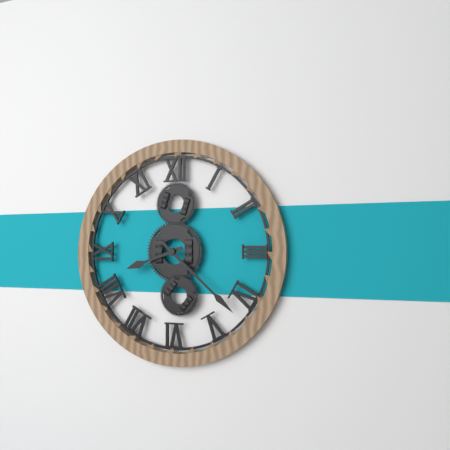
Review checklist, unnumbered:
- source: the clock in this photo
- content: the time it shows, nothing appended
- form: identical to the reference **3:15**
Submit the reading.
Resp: **8:22**
